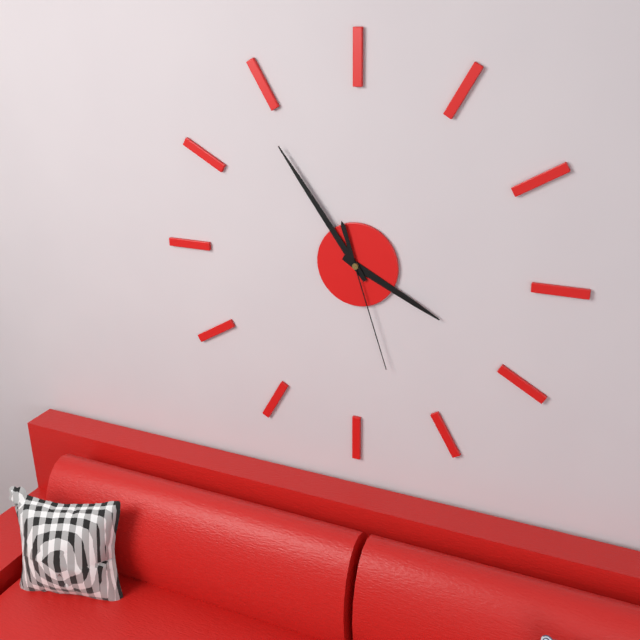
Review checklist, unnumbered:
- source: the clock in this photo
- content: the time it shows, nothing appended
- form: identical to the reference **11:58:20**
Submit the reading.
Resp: **3:54:27**
